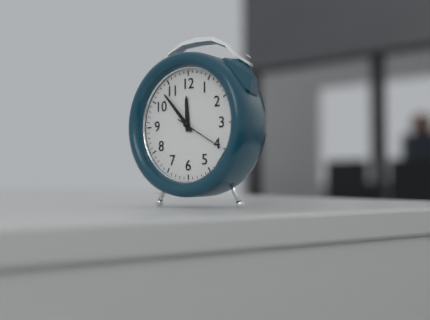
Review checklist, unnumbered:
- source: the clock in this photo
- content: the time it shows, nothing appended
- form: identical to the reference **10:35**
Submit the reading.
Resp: **11:53**
